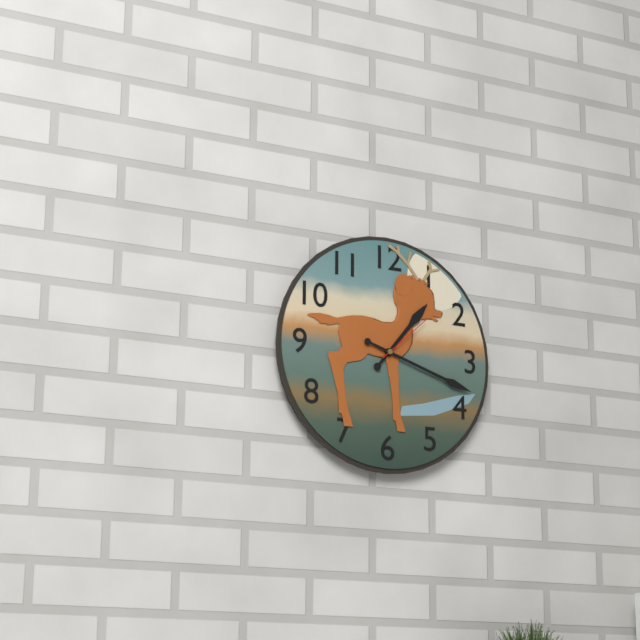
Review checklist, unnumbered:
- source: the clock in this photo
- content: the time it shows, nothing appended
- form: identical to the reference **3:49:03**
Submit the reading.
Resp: **1:18:08**
